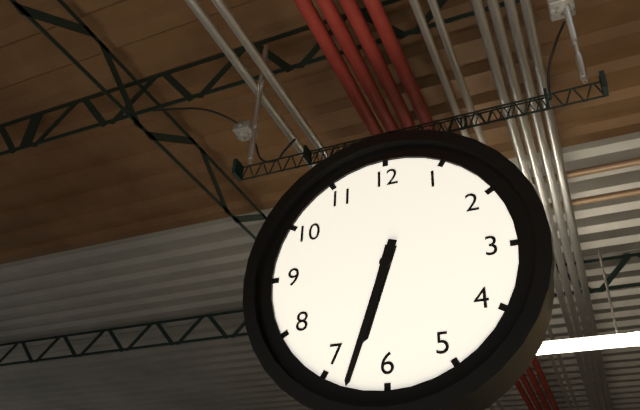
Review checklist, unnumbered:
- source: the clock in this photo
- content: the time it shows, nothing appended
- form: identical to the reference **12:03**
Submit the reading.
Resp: **6:33**
